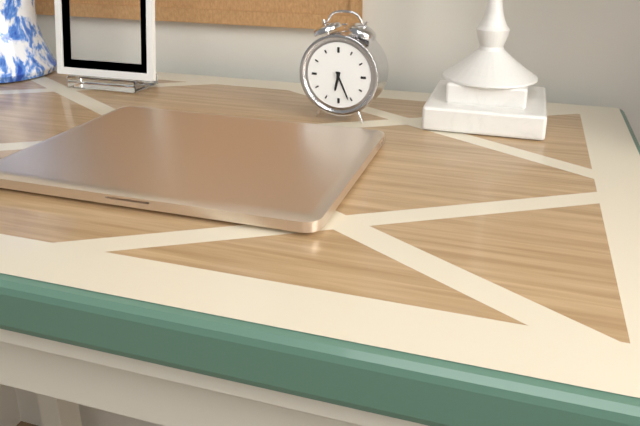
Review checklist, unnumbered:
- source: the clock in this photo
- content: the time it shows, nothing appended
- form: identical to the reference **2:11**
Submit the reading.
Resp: **6:26**
